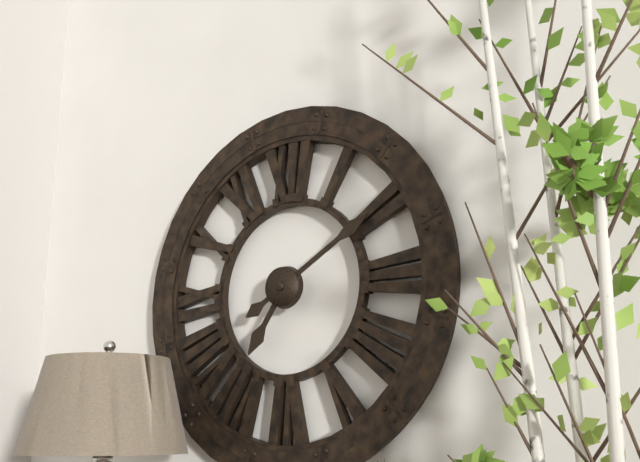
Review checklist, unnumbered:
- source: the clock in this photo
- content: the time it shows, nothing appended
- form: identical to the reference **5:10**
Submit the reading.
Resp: **7:10**
